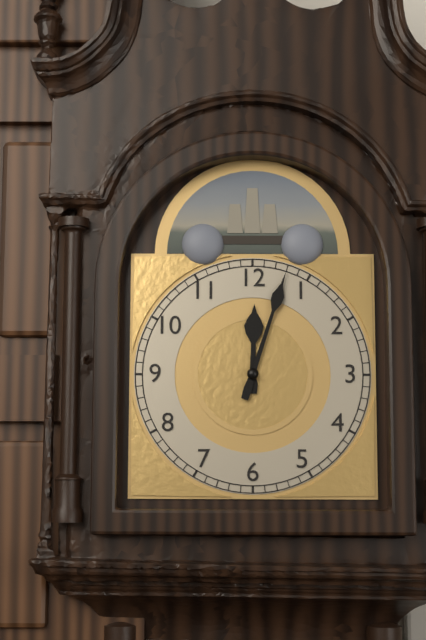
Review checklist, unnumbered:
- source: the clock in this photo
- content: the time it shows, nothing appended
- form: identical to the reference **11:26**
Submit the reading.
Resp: **12:03**
